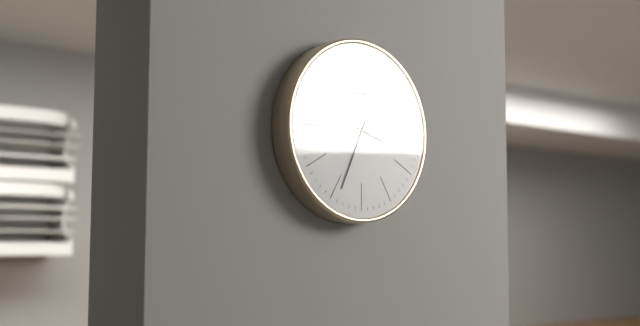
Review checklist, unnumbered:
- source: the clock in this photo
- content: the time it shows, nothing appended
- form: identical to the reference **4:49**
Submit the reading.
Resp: **3:34**
